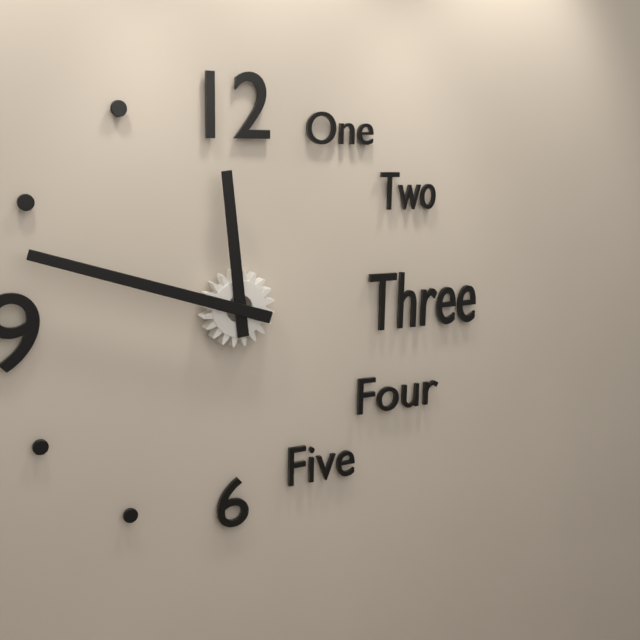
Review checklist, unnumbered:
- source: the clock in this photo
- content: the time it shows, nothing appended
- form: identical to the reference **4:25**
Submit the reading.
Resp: **11:48**
